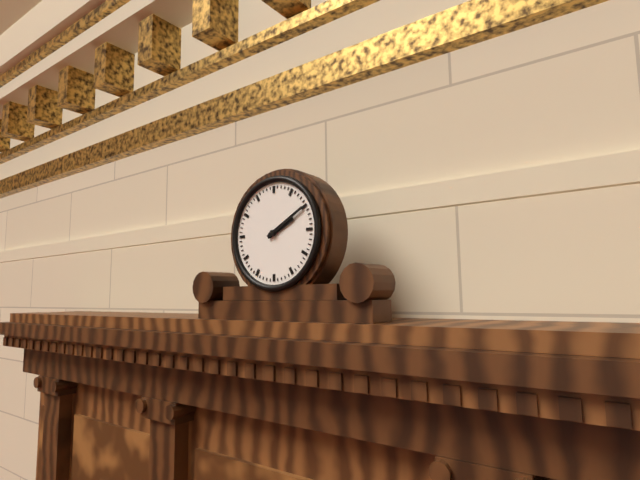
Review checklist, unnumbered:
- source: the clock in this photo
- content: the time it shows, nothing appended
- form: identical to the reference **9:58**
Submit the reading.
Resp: **2:10**
